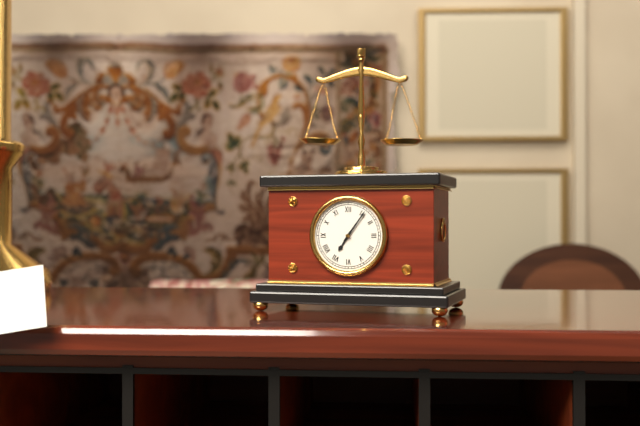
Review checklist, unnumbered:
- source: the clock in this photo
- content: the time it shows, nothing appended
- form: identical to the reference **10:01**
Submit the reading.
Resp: **7:06**
